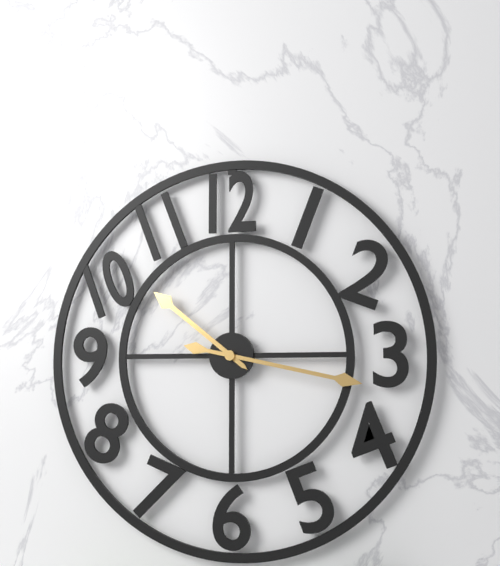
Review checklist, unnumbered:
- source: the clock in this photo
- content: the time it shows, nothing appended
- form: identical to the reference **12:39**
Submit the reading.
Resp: **10:17**
